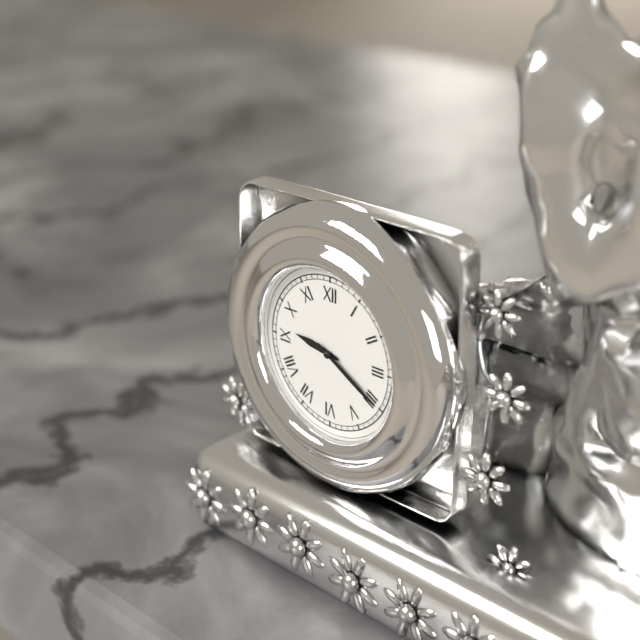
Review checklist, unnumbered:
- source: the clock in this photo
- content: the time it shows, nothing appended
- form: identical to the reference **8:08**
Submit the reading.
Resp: **9:20**
